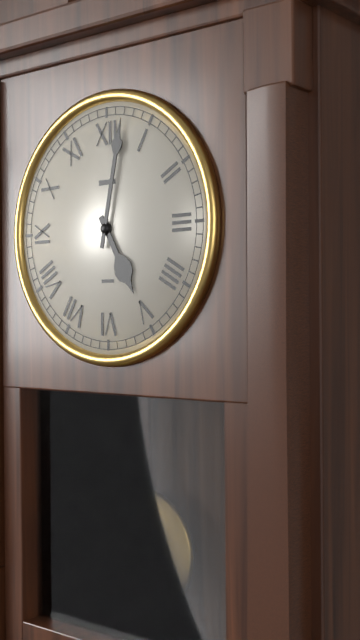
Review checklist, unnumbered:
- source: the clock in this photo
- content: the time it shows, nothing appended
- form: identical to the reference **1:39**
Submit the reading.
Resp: **5:02**
